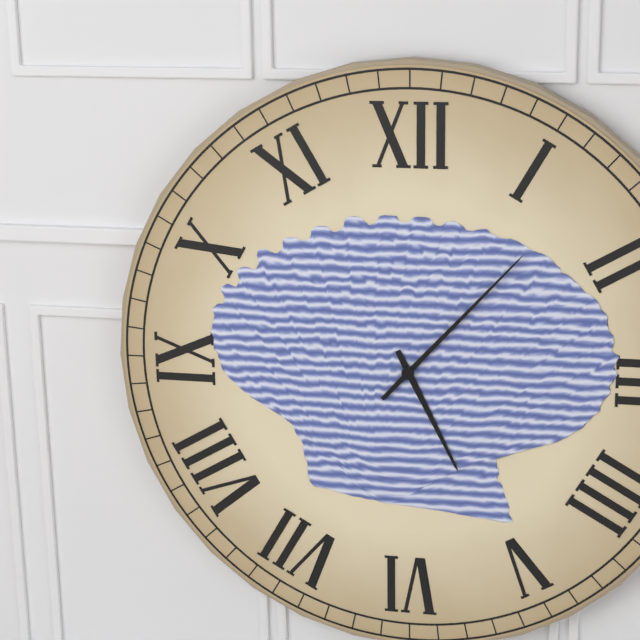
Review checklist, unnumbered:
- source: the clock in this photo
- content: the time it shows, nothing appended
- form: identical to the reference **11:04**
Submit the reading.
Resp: **5:07**
